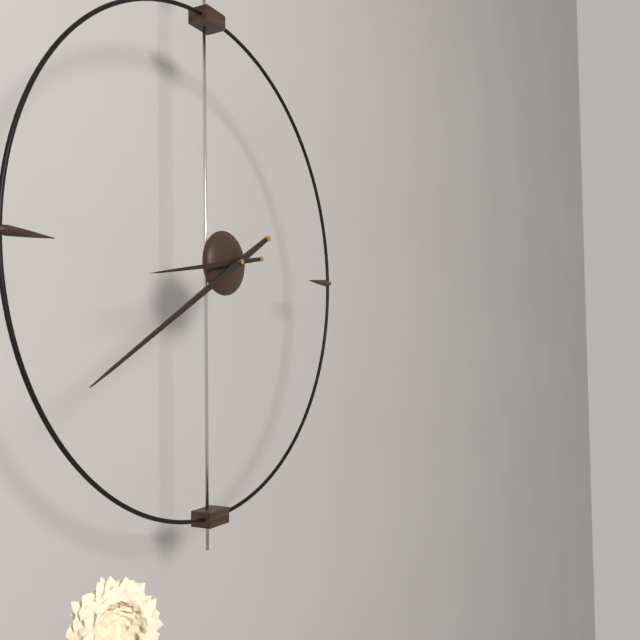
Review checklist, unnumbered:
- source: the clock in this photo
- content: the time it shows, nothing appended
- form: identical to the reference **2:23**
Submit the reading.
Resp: **8:40**
